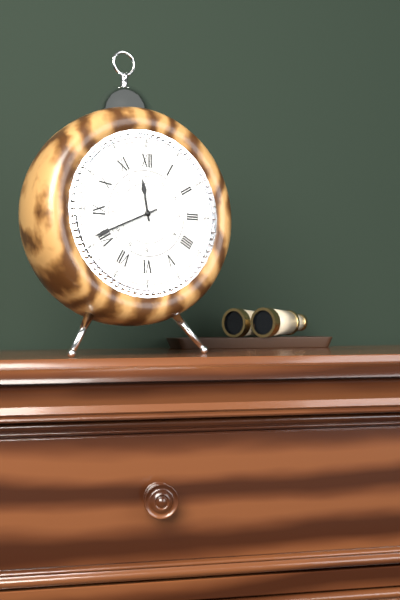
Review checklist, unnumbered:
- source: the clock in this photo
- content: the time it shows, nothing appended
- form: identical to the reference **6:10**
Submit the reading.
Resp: **11:41**
